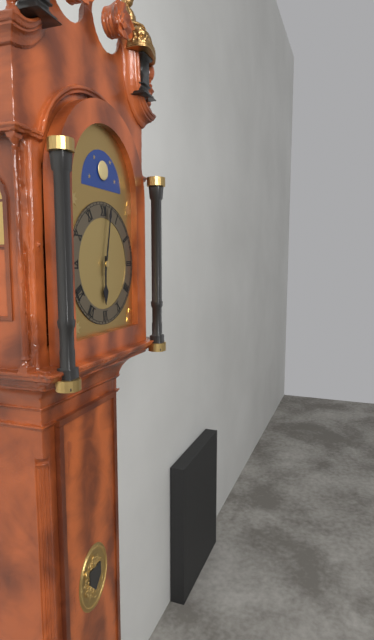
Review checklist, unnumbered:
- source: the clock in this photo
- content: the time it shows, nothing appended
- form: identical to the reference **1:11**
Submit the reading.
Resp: **6:02**
